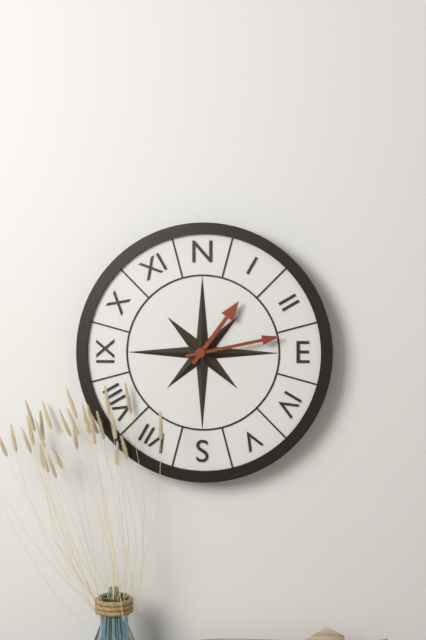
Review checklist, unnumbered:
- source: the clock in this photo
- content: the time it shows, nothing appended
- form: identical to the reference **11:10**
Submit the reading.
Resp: **1:13**
